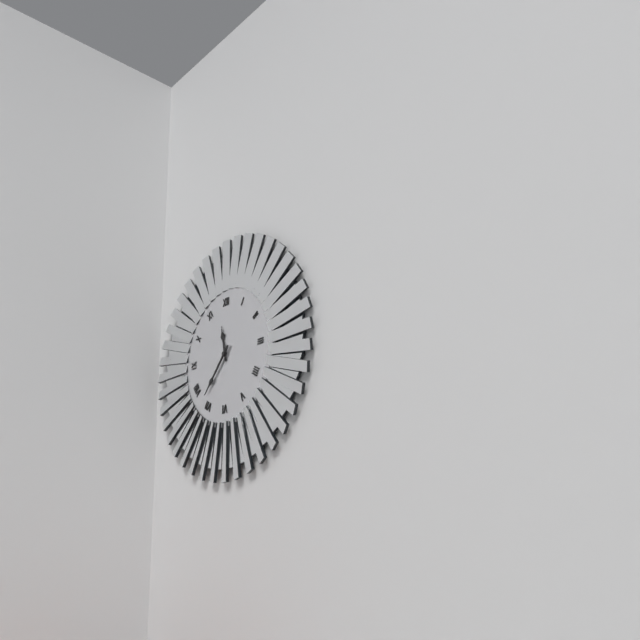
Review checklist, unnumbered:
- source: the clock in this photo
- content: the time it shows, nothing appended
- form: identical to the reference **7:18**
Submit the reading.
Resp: **11:37**
